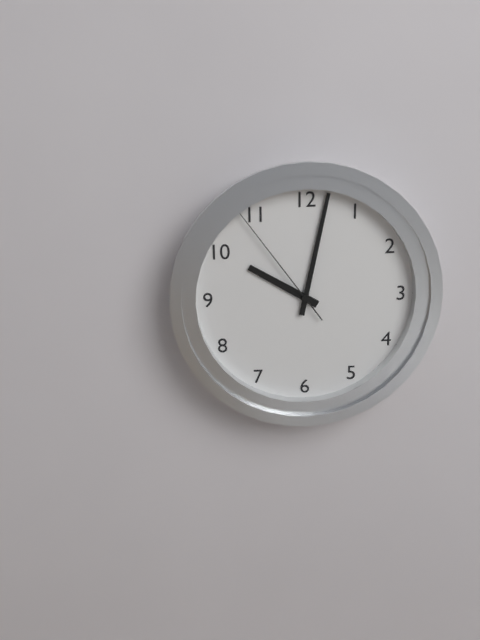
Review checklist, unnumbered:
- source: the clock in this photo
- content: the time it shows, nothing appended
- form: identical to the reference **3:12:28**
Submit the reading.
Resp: **10:02:54**
